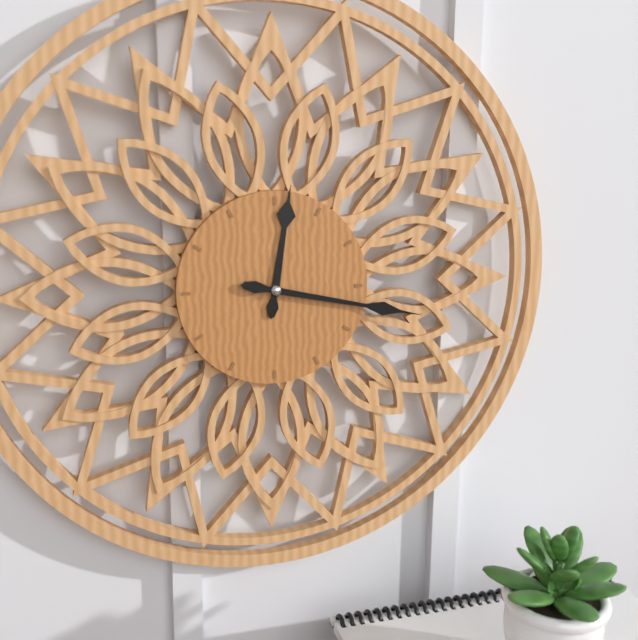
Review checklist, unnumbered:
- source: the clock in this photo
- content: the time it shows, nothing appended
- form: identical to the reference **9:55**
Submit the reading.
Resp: **12:17**
